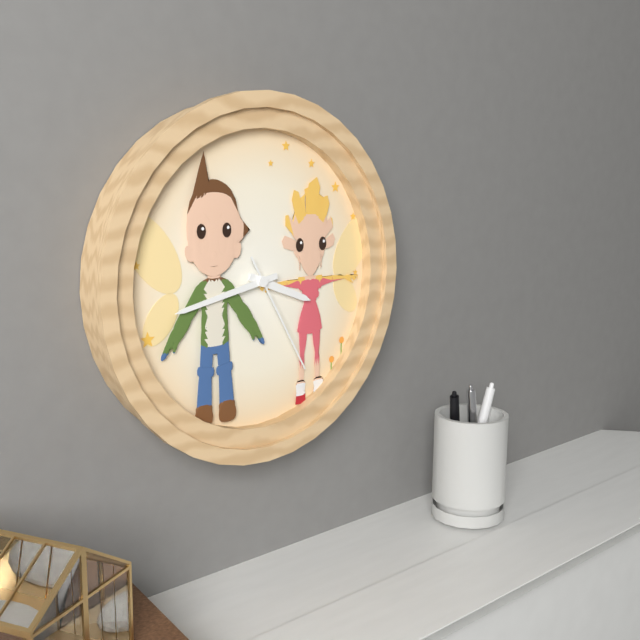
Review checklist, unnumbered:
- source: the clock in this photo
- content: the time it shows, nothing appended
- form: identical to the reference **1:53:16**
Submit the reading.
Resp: **3:43:25**
